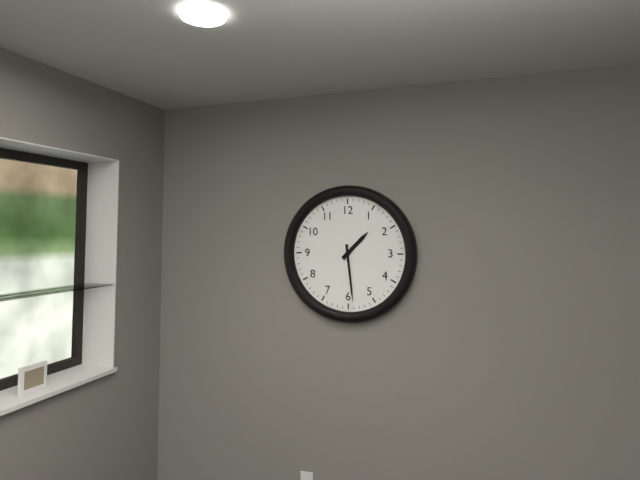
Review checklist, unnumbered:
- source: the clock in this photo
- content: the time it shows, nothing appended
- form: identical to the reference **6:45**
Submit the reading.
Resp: **1:29**
